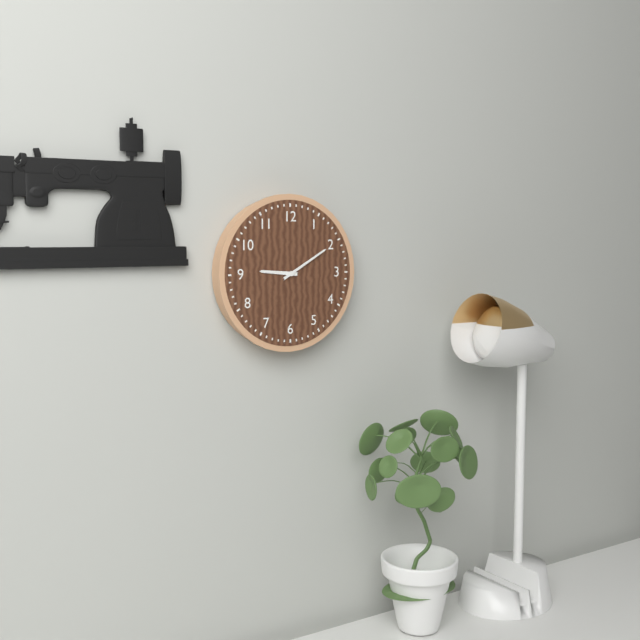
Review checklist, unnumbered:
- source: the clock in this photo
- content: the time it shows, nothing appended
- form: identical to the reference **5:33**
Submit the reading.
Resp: **9:10**
